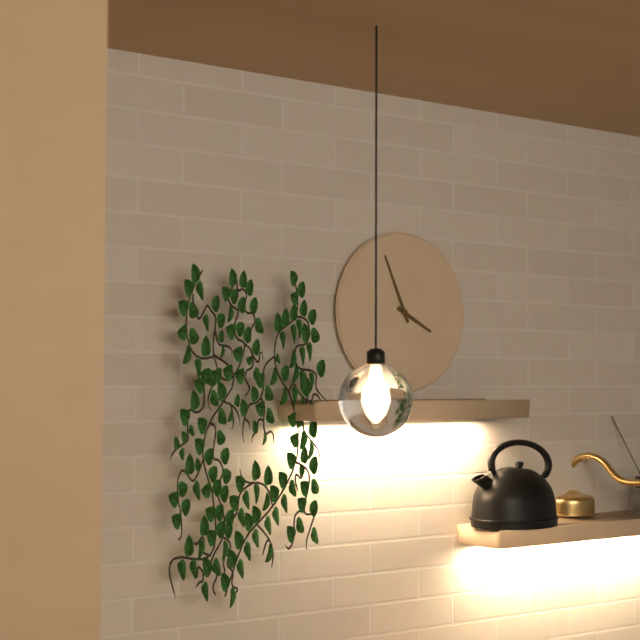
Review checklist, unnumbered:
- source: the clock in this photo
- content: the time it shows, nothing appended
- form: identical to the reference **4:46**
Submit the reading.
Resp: **3:56**
